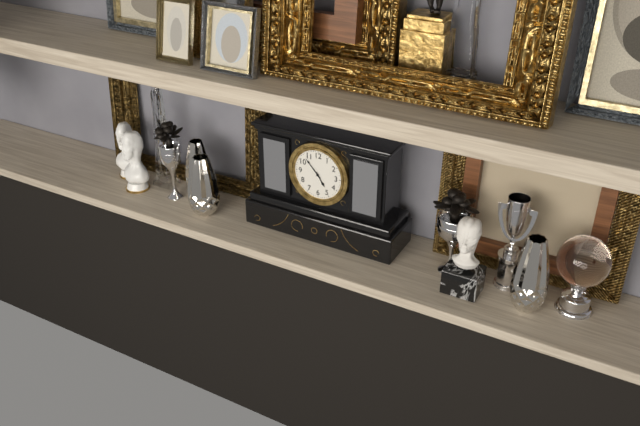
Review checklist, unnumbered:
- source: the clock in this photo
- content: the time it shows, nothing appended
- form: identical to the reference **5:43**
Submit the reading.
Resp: **4:53**
